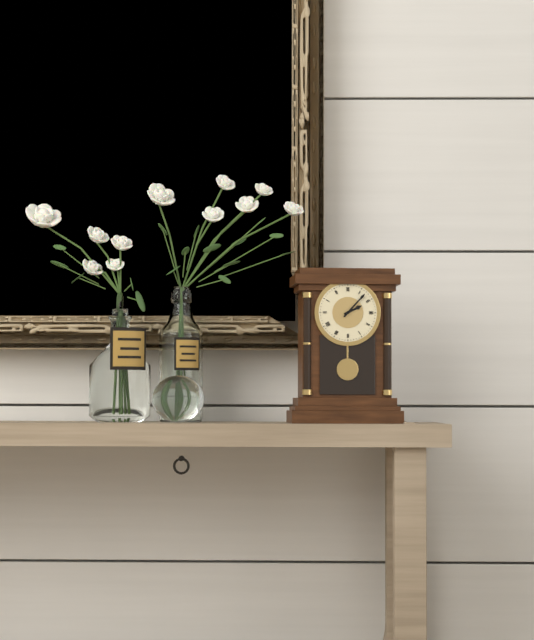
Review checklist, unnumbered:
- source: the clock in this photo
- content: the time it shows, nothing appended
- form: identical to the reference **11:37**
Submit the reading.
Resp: **2:07**
